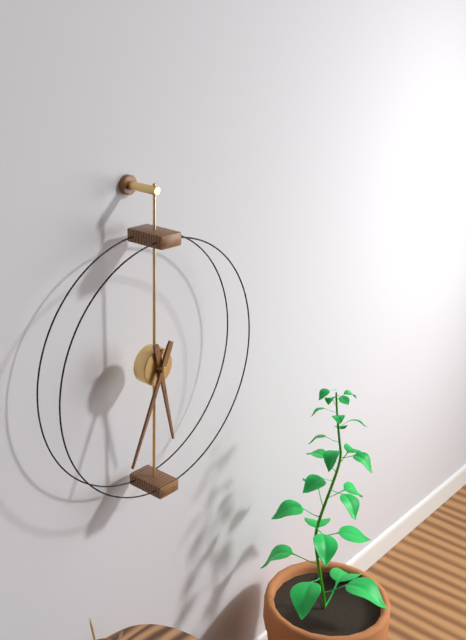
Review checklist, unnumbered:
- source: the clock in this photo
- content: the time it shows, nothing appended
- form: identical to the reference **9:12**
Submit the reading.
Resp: **5:34**
